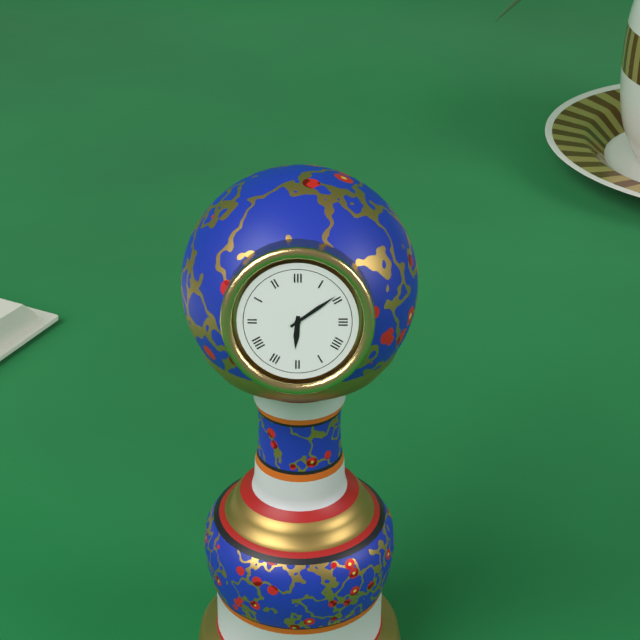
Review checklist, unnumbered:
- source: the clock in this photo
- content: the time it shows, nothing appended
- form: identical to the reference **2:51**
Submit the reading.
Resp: **6:09**
